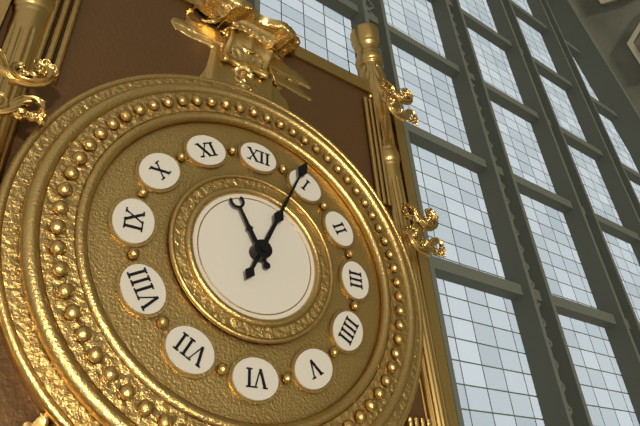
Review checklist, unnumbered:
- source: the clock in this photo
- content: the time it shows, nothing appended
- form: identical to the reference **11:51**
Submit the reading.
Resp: **11:04**
